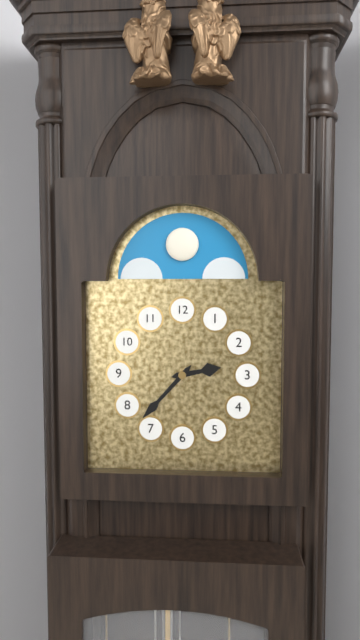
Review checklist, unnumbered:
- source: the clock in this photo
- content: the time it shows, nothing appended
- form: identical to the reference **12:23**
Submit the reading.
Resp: **2:37**
